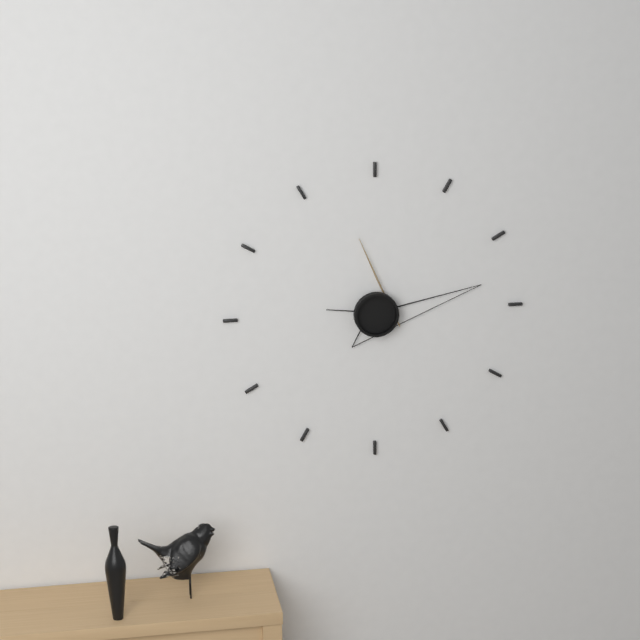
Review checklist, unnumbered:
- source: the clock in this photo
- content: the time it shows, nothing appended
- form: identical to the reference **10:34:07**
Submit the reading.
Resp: **9:13:58**
